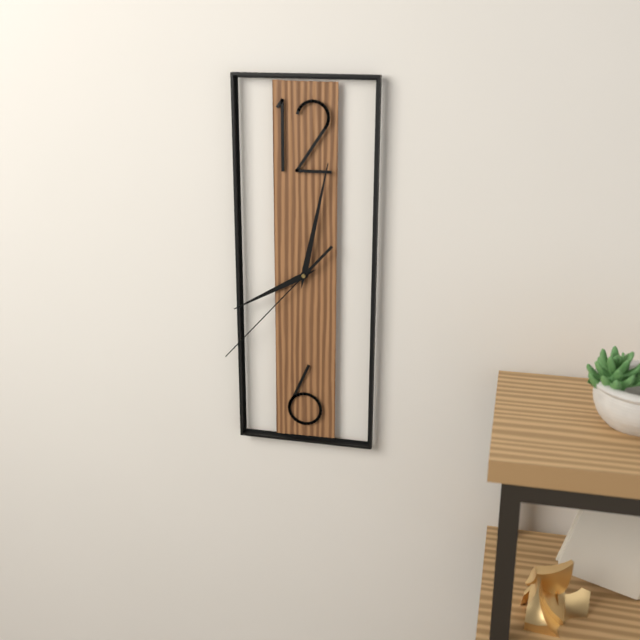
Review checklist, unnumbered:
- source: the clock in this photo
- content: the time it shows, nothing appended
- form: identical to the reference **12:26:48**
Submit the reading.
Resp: **8:02:37**
